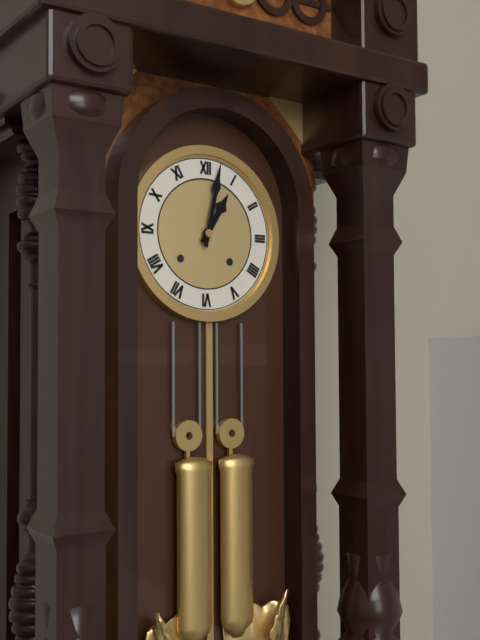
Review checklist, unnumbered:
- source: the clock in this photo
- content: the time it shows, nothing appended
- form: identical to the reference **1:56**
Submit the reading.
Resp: **1:02**
